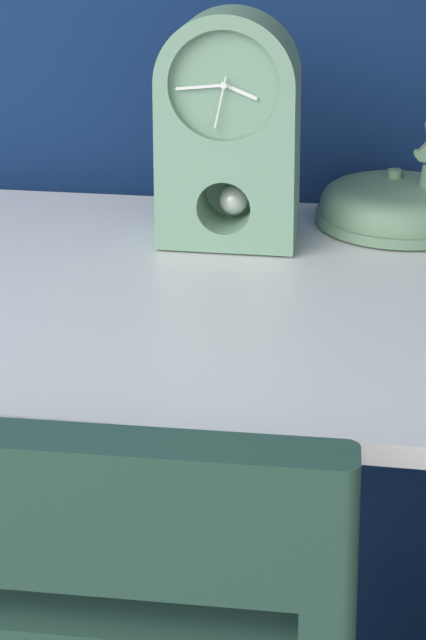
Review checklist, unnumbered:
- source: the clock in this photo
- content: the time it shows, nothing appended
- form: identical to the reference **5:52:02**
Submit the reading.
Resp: **3:44:32**
